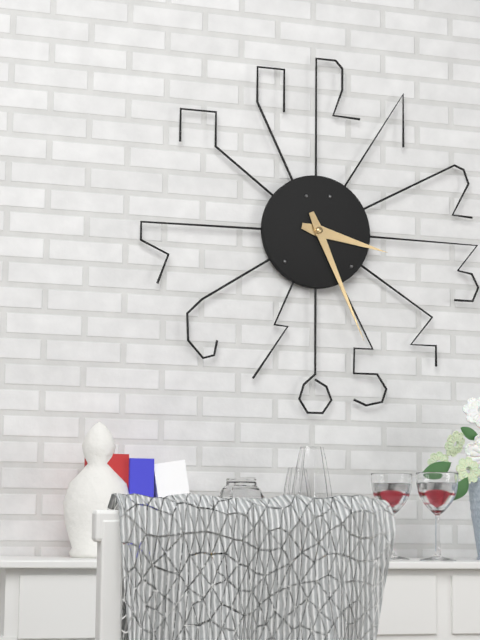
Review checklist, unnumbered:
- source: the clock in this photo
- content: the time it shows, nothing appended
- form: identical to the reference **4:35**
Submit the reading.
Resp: **3:26**
